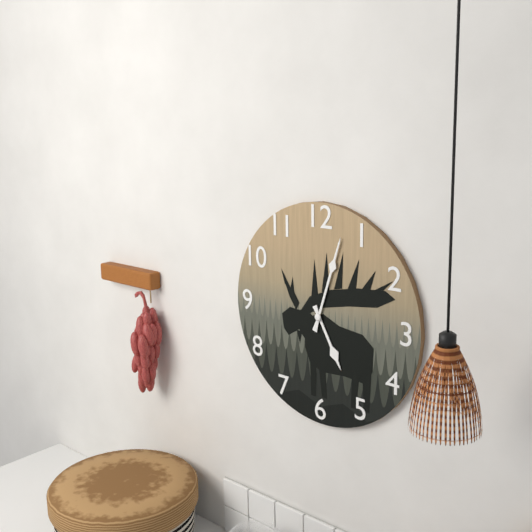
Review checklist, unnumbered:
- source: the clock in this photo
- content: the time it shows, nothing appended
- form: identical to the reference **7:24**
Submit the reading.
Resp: **5:03**
